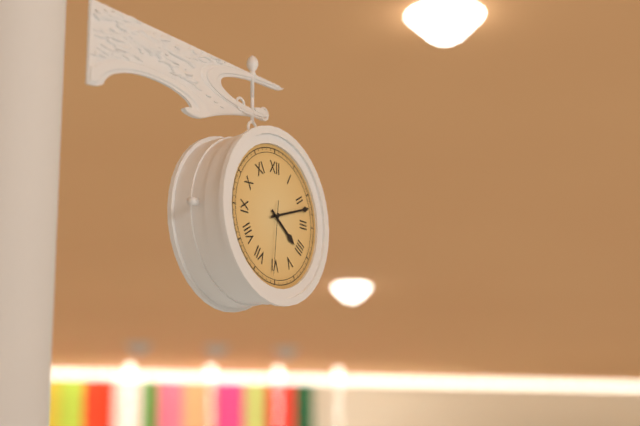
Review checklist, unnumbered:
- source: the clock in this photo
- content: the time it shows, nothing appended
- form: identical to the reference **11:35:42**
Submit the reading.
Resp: **4:12:31**
